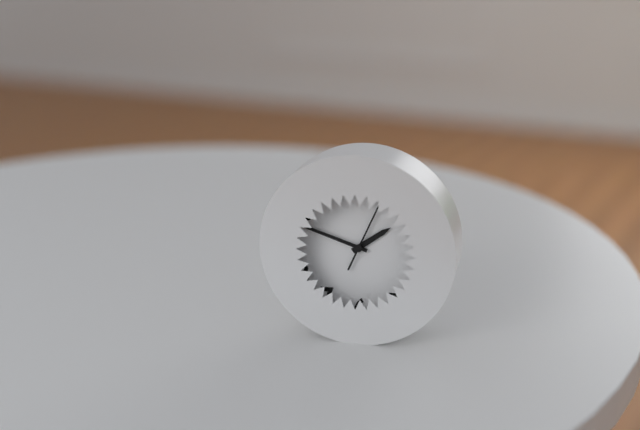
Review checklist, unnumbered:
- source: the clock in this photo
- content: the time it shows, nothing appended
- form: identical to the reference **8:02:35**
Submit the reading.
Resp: **1:48:04**
